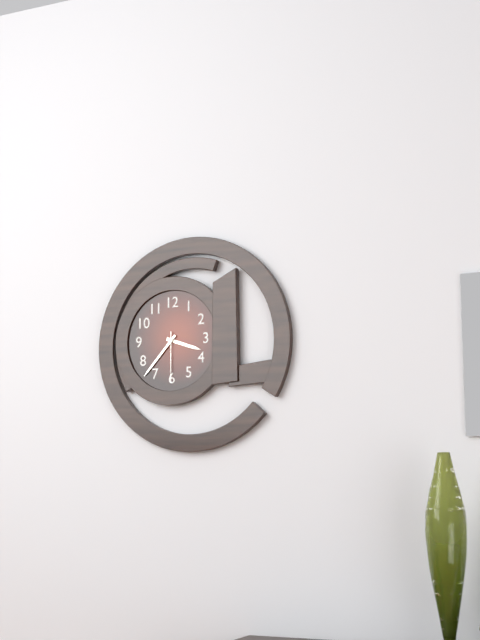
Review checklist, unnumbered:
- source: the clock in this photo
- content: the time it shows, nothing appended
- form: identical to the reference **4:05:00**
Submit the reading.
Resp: **3:37:30**
